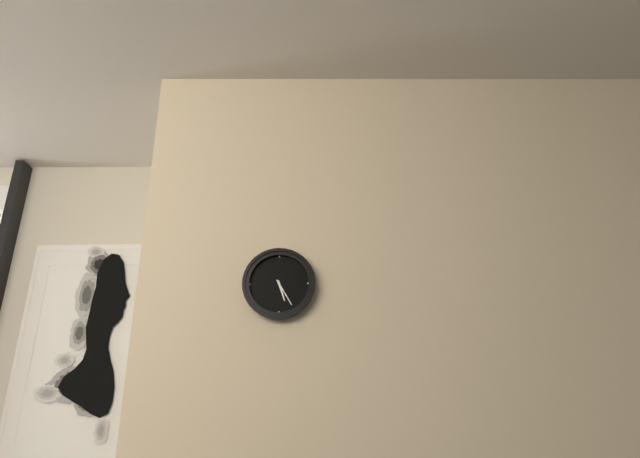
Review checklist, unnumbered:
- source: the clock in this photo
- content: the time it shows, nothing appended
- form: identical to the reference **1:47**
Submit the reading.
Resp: **5:25**
